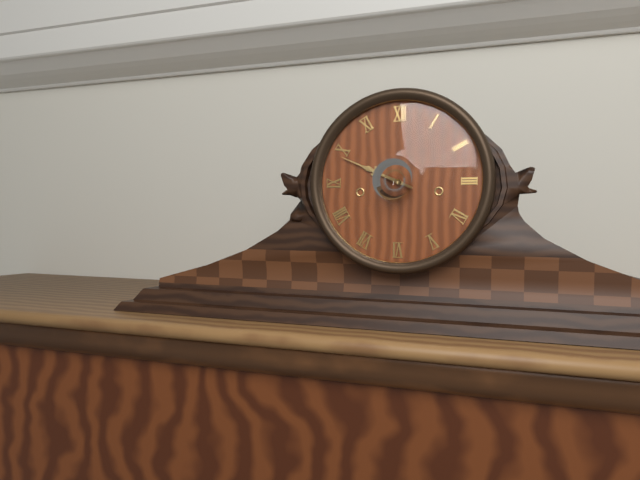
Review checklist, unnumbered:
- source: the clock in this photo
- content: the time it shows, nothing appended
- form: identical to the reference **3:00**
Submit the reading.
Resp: **9:49**
